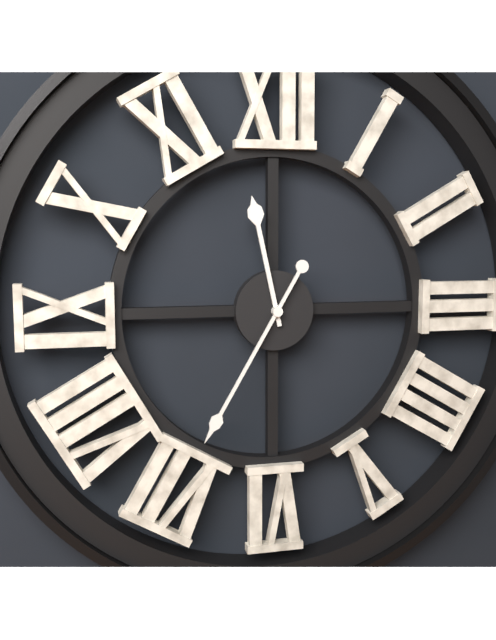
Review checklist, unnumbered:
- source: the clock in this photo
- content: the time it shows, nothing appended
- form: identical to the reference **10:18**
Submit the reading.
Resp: **11:35**
